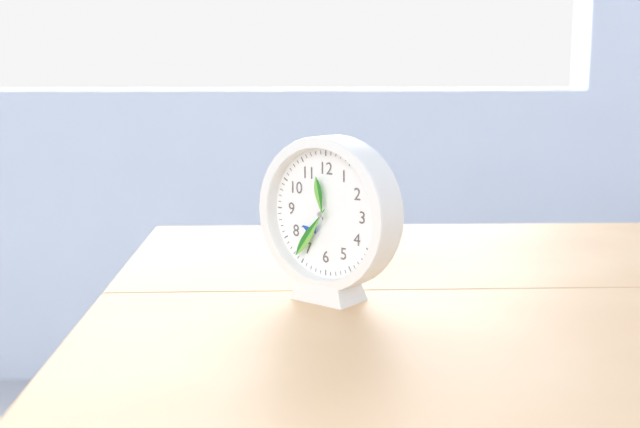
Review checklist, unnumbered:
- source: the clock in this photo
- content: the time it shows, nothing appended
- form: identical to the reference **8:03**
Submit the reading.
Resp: **11:36**
